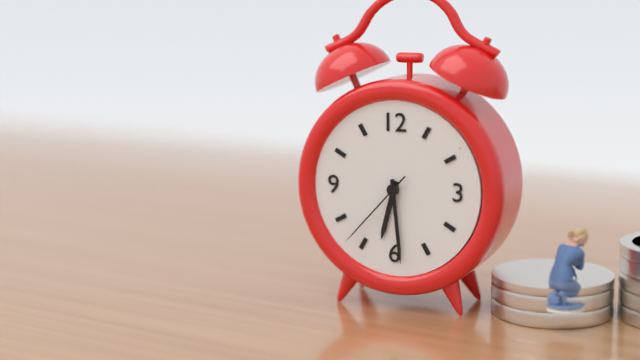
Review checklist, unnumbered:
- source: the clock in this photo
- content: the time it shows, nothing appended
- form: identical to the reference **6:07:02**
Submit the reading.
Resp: **6:29:37**
